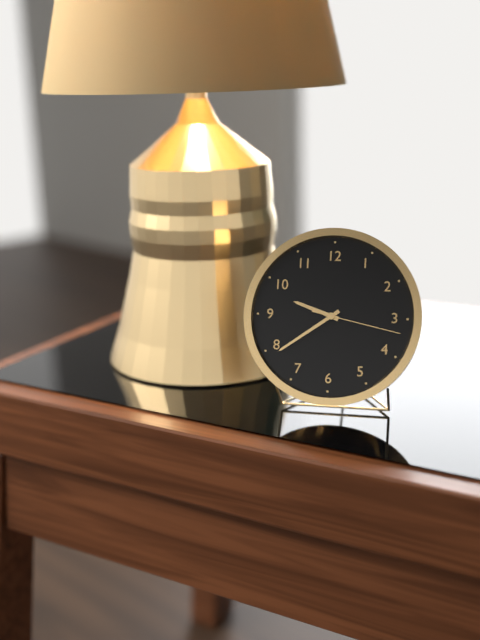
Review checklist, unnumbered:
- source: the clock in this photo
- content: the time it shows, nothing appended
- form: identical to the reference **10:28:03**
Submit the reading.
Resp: **9:39:17**
